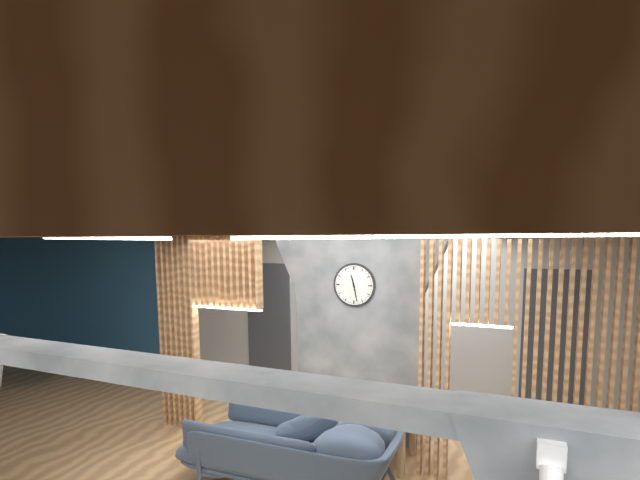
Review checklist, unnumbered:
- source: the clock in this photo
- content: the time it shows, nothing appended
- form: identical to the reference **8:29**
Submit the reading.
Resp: **11:28**
